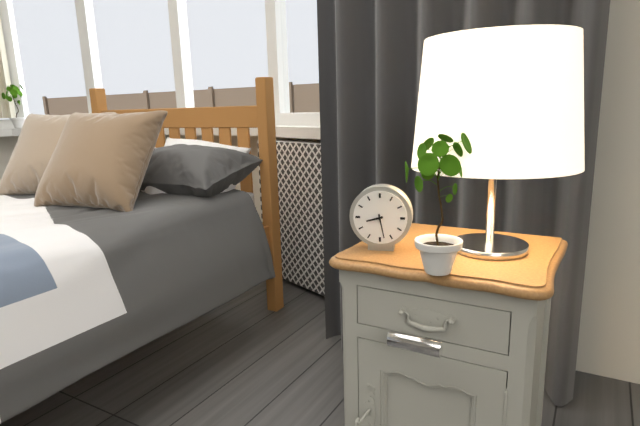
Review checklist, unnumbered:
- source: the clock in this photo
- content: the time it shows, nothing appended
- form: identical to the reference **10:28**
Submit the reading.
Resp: **8:28**
